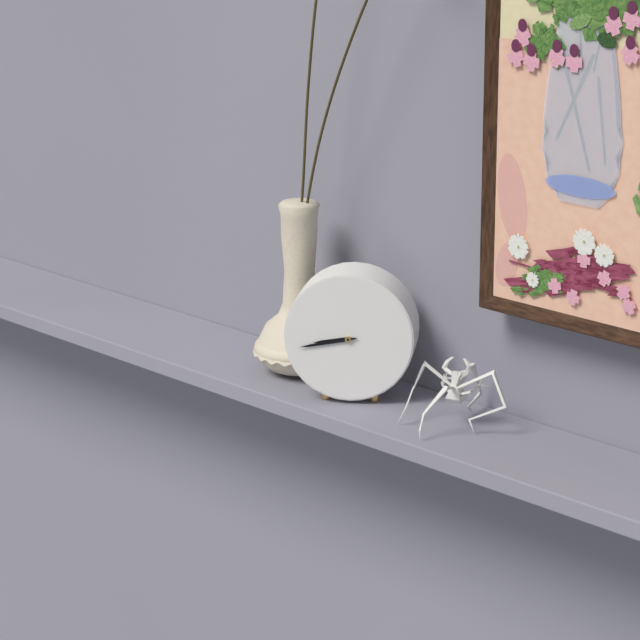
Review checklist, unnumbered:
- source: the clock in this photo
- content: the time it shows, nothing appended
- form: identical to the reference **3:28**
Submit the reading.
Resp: **8:43**
